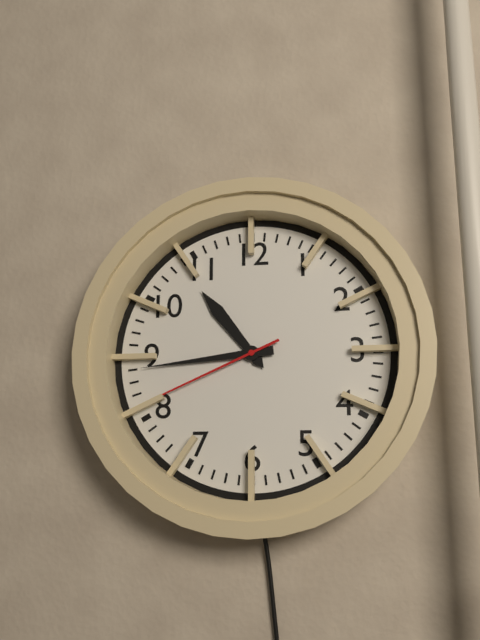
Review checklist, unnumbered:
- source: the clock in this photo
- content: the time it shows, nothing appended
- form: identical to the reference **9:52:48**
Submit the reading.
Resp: **10:44:41**
